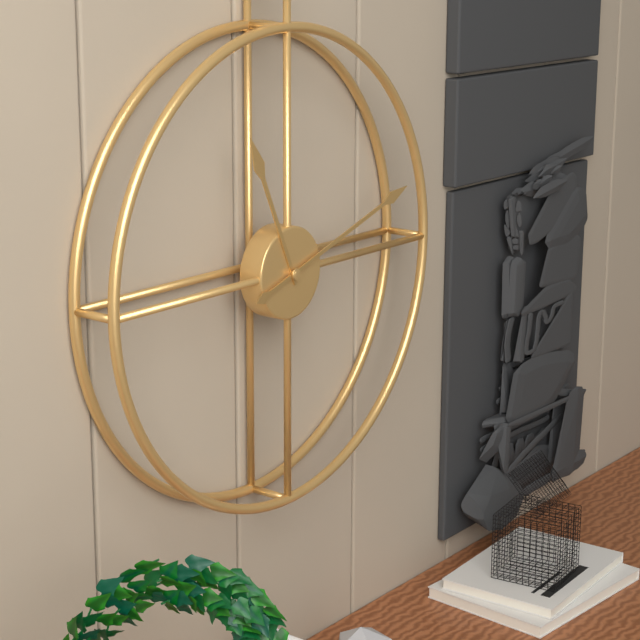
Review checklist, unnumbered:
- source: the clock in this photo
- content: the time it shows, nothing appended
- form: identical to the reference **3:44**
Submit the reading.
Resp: **11:12**
